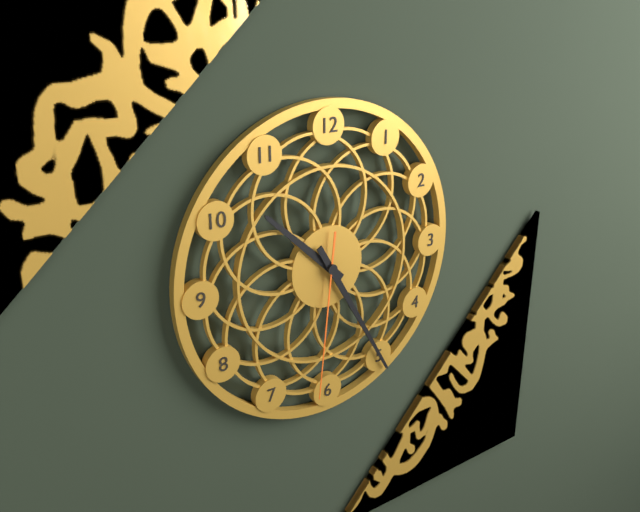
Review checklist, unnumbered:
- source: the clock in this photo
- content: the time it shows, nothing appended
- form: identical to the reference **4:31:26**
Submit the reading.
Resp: **10:25:31**
